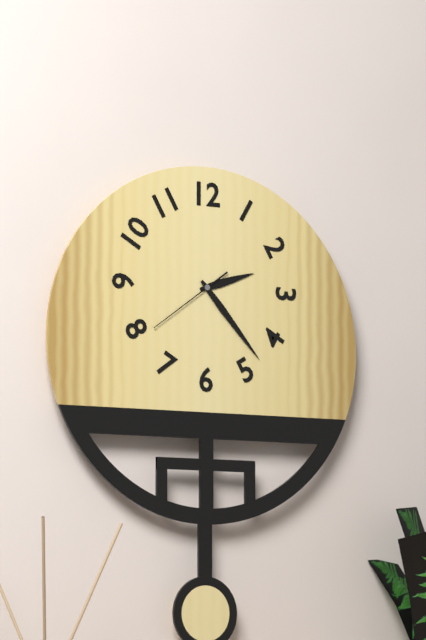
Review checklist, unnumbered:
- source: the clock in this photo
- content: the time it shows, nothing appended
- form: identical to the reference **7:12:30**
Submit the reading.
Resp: **2:23:39**
